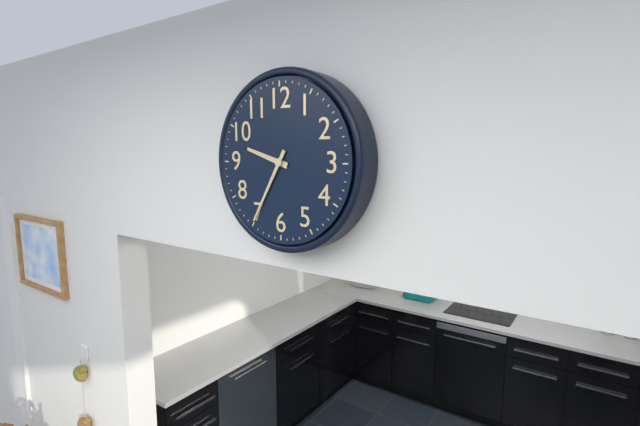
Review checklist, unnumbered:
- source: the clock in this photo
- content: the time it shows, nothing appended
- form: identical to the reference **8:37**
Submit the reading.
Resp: **9:35**
